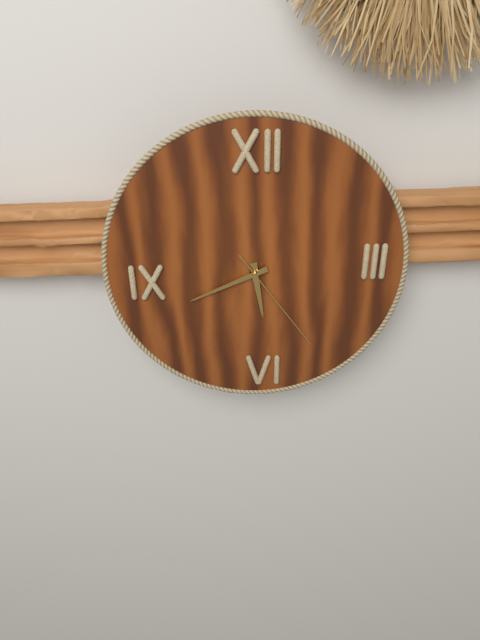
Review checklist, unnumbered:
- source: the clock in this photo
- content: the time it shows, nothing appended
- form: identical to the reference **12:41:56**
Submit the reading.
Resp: **5:41:24**
